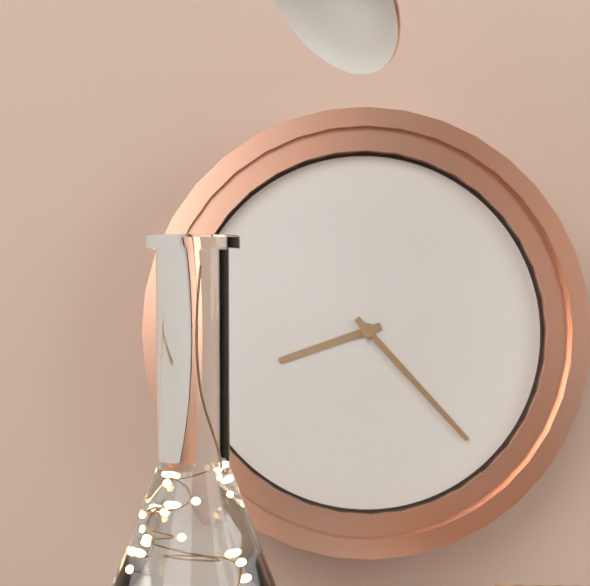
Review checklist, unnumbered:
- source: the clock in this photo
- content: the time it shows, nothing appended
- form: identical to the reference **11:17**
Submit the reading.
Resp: **8:23**
